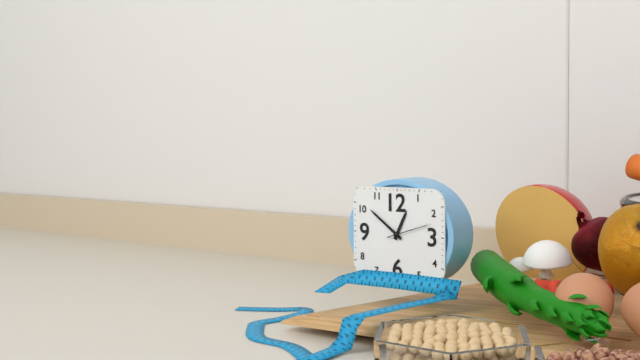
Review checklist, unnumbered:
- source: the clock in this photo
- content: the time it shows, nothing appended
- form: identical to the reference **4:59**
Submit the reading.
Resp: **12:51**
